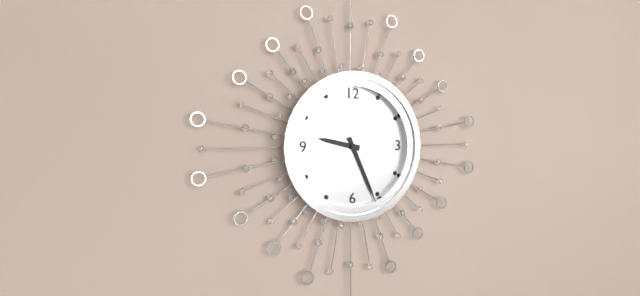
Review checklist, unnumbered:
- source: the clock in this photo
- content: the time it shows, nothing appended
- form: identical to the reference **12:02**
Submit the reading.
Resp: **9:26**
